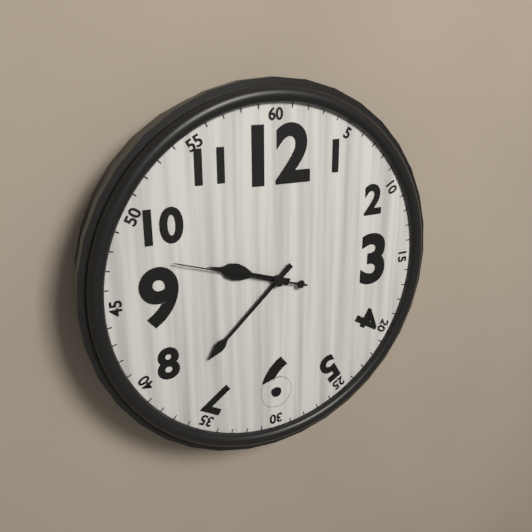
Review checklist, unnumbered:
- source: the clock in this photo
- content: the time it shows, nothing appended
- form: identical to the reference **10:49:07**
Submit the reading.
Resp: **9:38:48**
